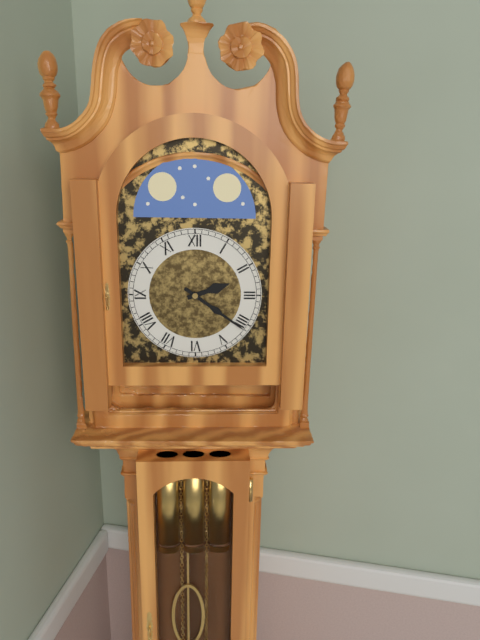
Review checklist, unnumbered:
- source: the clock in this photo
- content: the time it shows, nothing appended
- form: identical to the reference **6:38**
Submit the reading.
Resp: **2:21**
